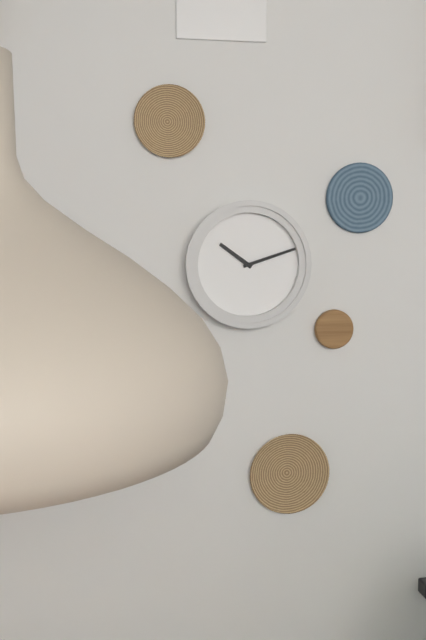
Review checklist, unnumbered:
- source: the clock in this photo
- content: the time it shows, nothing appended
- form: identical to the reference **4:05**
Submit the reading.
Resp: **10:12**
